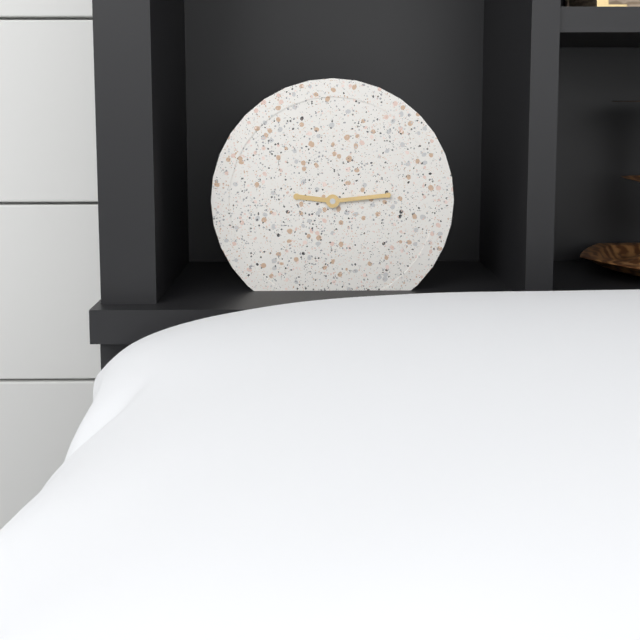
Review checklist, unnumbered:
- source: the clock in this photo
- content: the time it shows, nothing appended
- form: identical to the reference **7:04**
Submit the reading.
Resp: **9:14**
